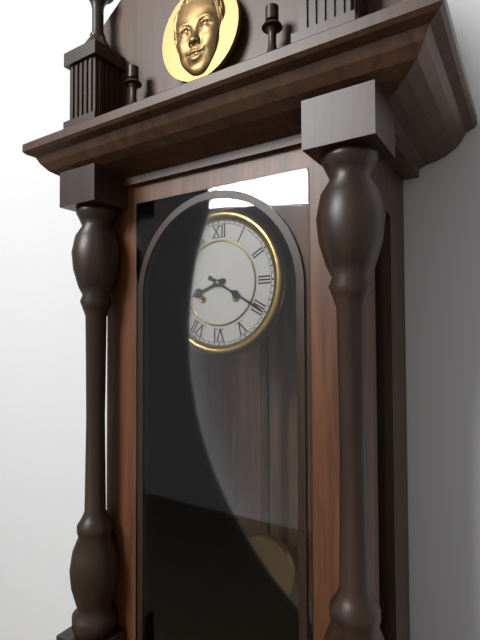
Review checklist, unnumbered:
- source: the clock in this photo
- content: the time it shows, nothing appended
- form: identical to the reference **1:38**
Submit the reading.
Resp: **8:20**
